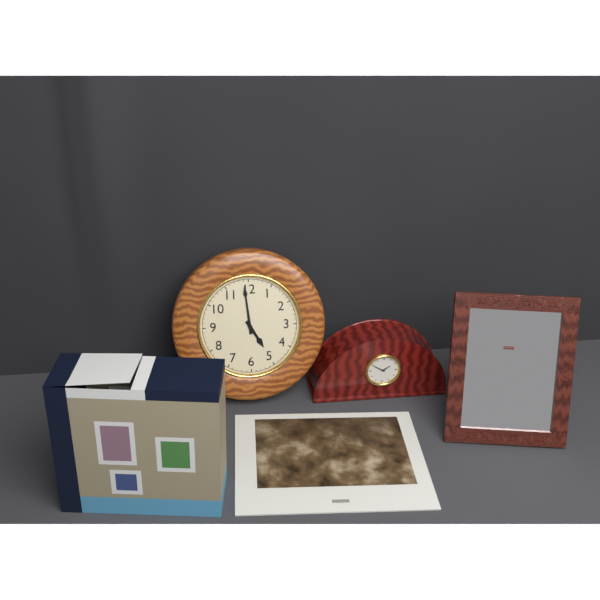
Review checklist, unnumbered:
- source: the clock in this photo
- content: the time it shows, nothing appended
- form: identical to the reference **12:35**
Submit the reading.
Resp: **4:59**
